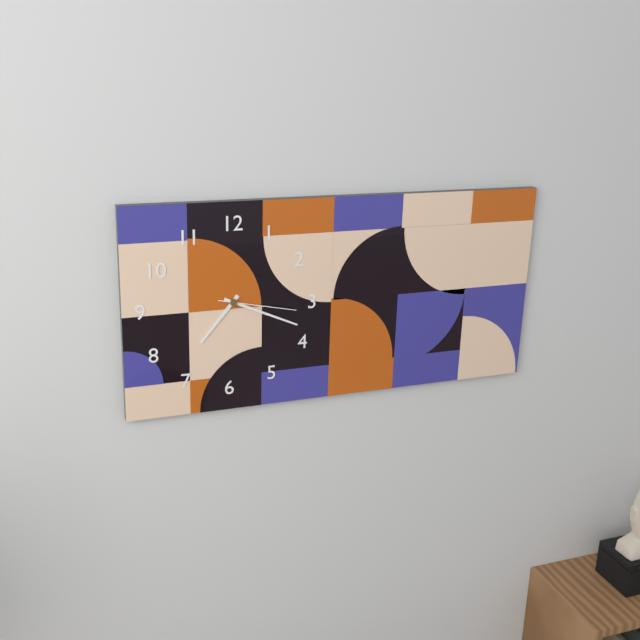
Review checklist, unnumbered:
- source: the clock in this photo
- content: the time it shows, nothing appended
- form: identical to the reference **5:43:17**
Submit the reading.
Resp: **7:19:17**
